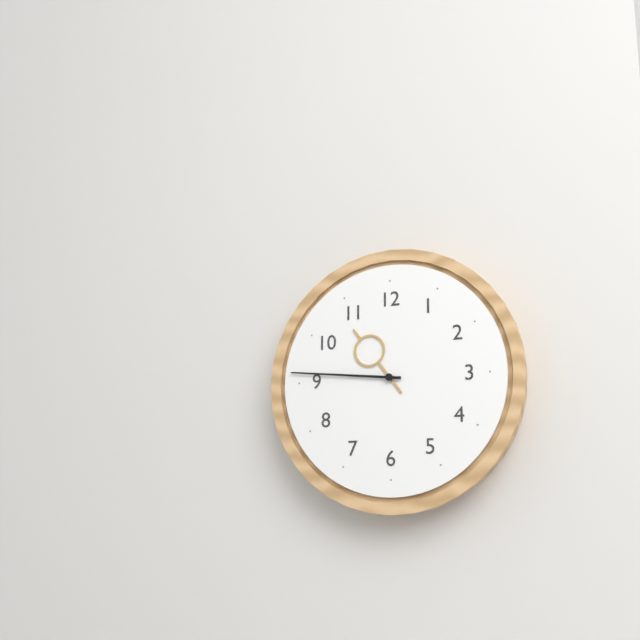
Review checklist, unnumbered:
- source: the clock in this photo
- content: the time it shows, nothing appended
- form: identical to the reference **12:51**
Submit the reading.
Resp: **10:46**
